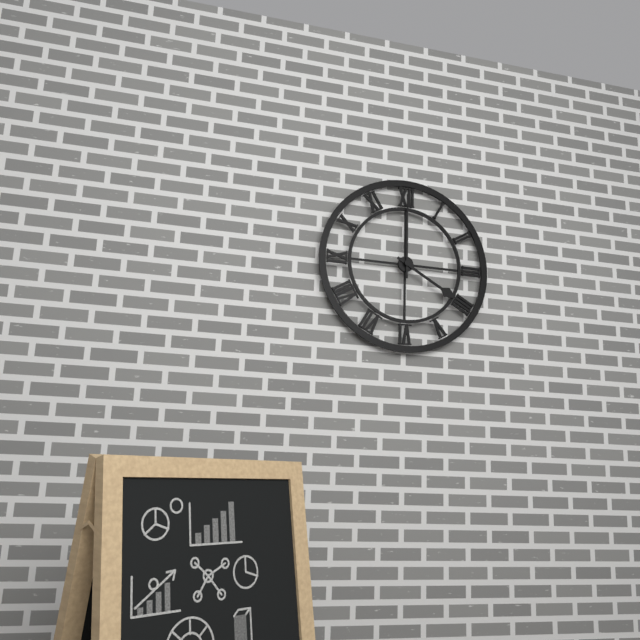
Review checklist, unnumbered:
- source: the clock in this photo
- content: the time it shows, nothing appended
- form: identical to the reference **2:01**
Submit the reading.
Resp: **4:00**
